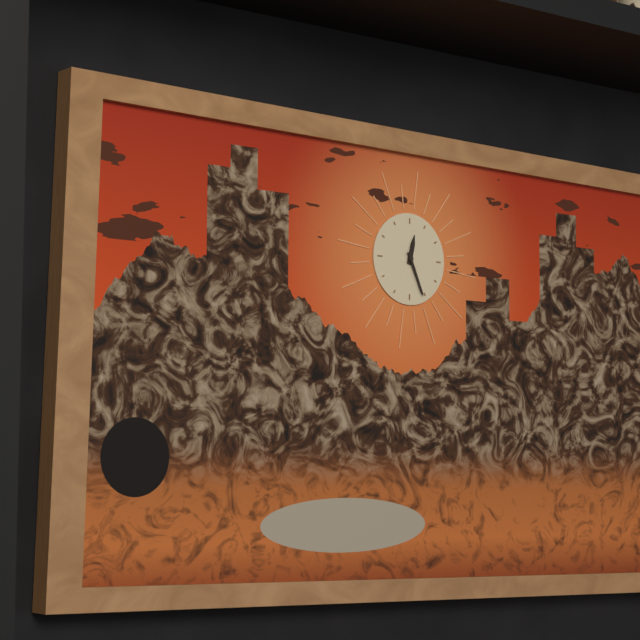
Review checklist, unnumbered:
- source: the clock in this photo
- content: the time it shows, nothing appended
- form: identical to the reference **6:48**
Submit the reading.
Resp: **12:26**
